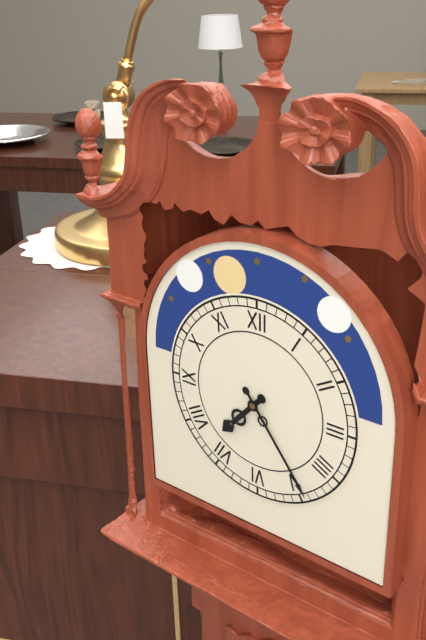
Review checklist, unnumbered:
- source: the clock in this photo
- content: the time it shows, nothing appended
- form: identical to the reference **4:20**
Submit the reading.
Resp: **7:24**
